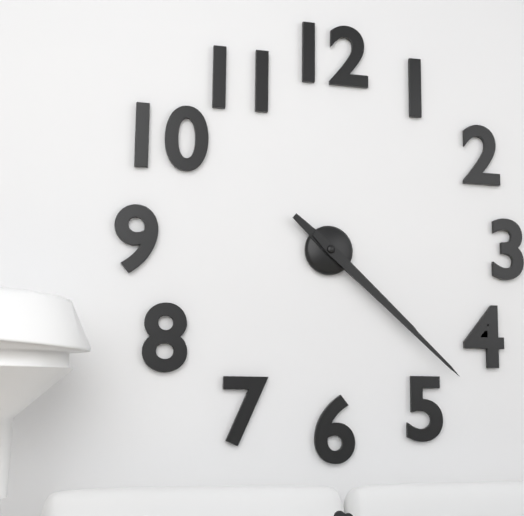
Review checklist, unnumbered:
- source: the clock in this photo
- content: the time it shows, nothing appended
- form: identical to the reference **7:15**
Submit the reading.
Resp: **4:22**
